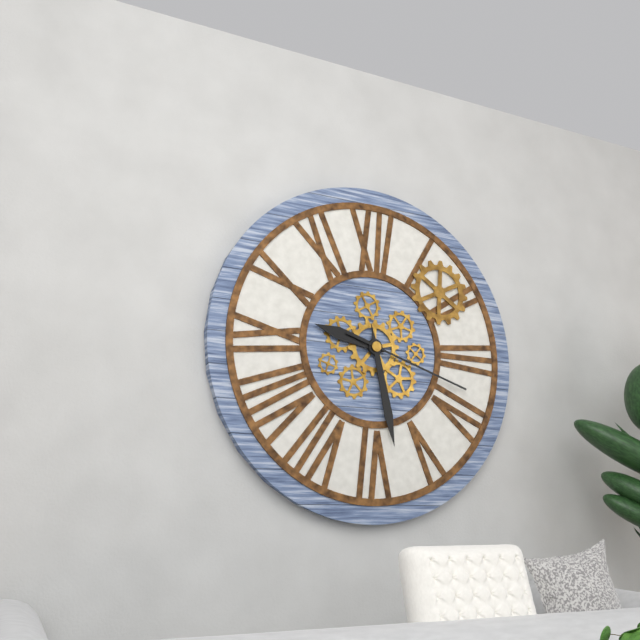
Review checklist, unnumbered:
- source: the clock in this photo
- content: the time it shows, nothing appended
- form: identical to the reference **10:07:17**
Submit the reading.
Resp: **9:28:18**
